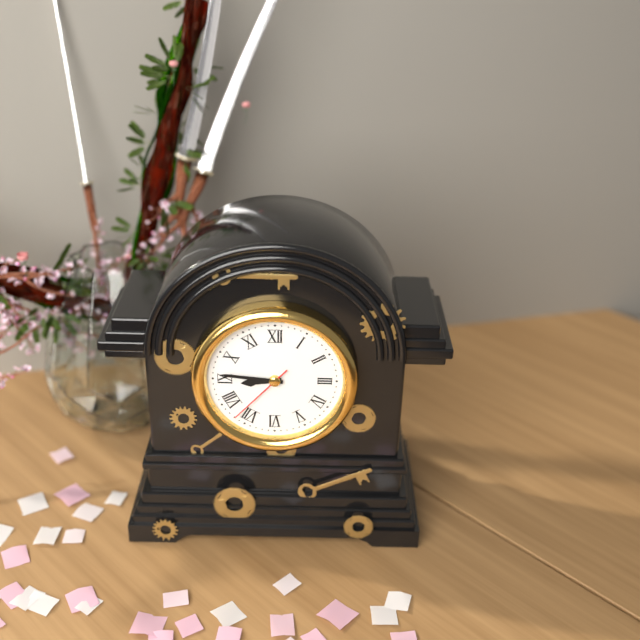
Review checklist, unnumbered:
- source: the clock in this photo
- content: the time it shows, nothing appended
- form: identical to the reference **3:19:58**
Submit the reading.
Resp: **8:46:37**
